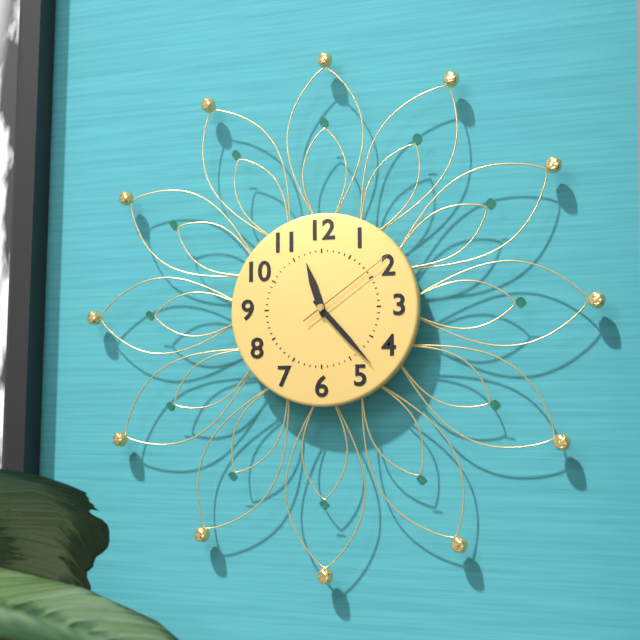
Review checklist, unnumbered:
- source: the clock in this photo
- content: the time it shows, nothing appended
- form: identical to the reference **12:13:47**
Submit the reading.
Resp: **11:23:09**
